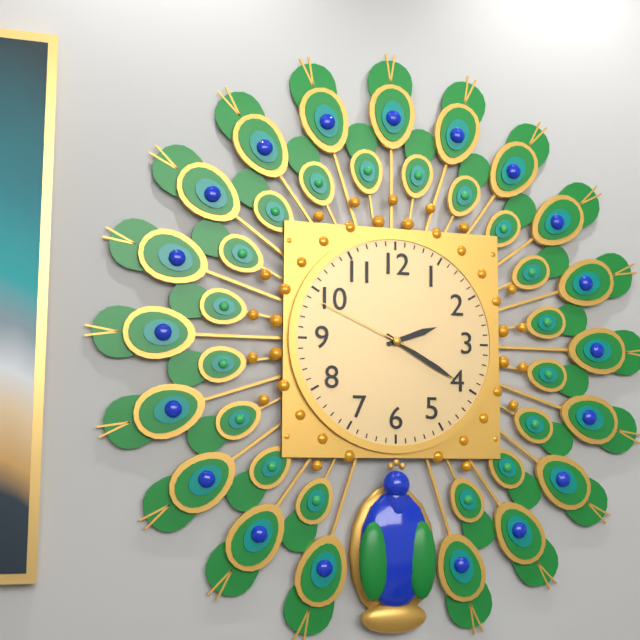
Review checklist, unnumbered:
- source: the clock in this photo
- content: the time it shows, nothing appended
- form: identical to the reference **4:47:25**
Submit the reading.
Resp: **2:20:49**
